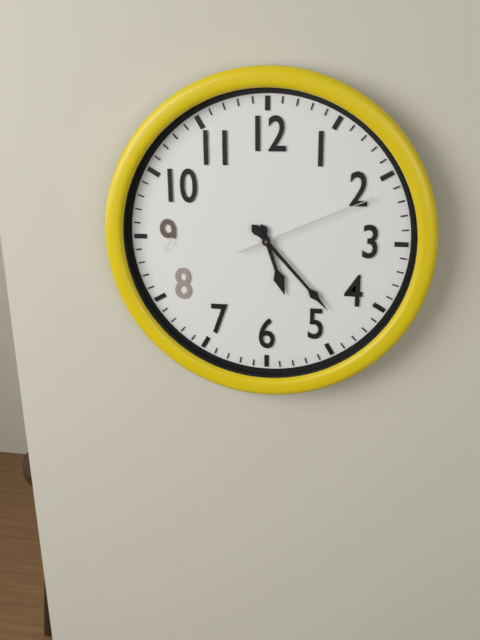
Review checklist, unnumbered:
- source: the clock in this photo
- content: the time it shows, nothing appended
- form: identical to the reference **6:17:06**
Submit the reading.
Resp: **5:23:11**
